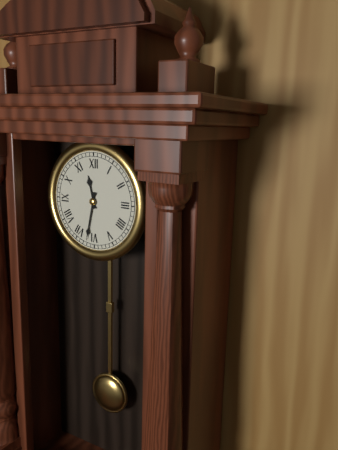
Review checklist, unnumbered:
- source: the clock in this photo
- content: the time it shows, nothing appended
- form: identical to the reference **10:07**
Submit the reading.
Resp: **11:32**
